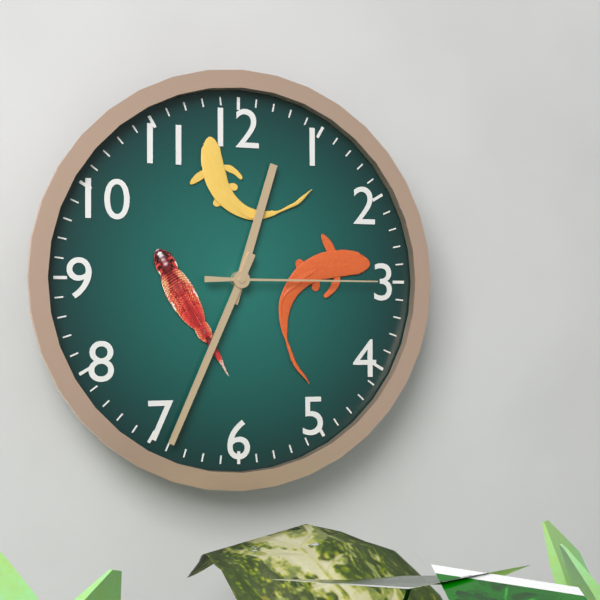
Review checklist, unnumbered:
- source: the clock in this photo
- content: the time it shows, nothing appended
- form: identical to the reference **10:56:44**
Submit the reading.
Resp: **12:34:15**
